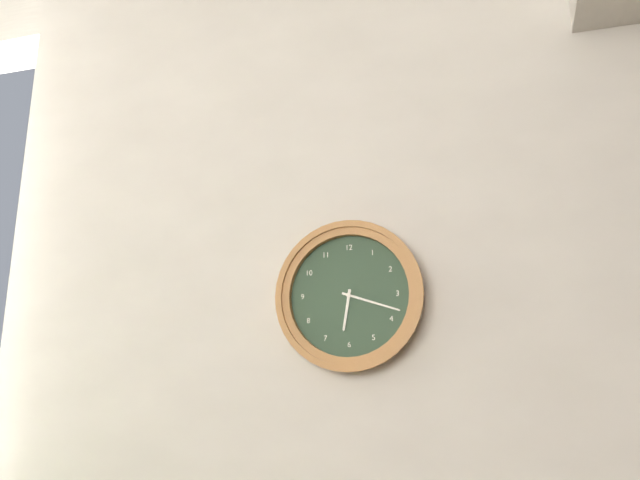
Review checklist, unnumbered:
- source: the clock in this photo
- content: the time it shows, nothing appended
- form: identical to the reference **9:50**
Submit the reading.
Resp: **6:18**
